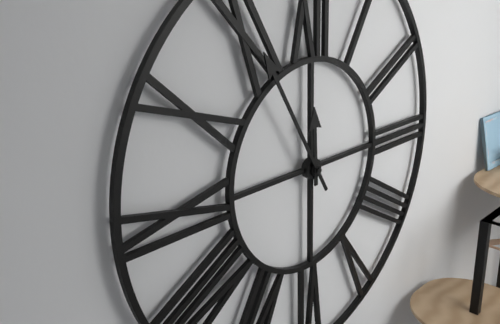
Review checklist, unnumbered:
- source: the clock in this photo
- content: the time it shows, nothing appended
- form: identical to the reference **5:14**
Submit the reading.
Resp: **11:55**
